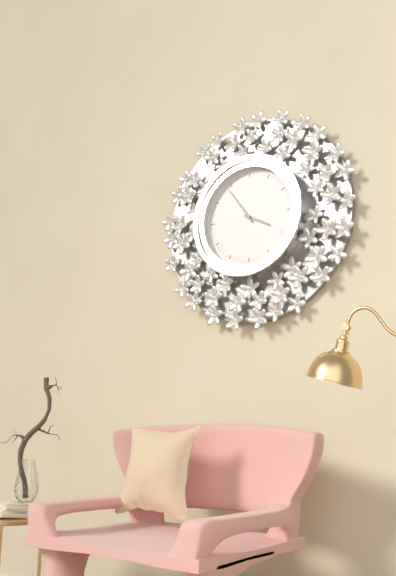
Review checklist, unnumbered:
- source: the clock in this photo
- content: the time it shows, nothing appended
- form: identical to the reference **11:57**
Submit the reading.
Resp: **3:54**
